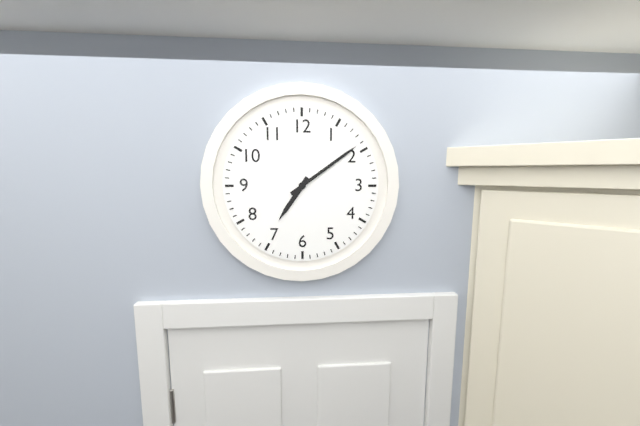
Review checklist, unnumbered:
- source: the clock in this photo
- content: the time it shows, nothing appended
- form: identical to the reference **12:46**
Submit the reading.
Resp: **7:09**
